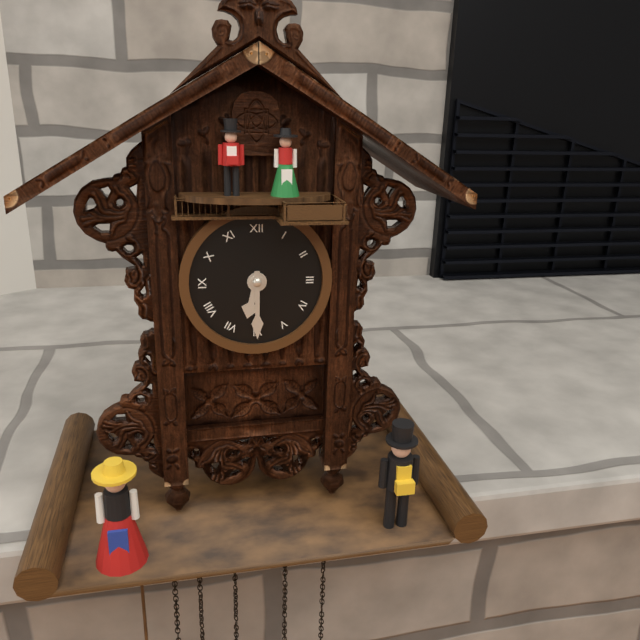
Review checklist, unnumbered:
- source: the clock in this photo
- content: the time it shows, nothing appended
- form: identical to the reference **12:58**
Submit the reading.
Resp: **6:30**
